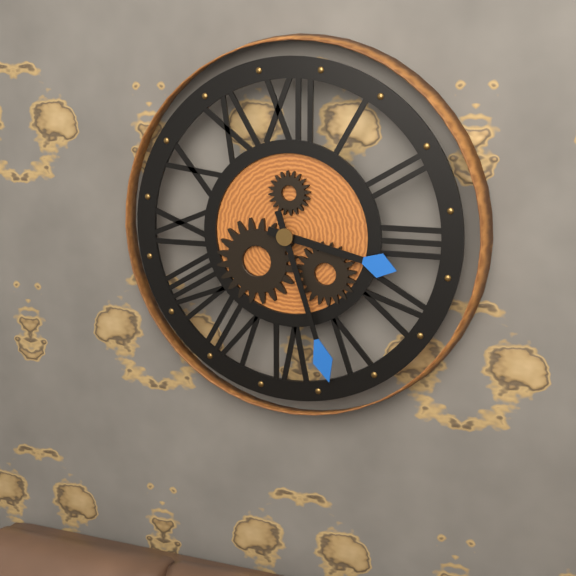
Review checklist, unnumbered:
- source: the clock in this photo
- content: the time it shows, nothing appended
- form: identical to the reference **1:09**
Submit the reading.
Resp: **3:27**
